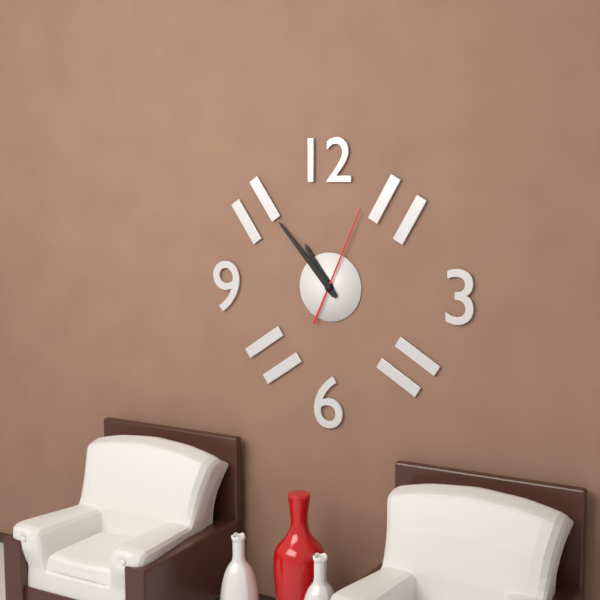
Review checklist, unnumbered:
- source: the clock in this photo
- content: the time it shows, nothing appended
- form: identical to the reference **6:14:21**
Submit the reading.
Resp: **10:53:04**
